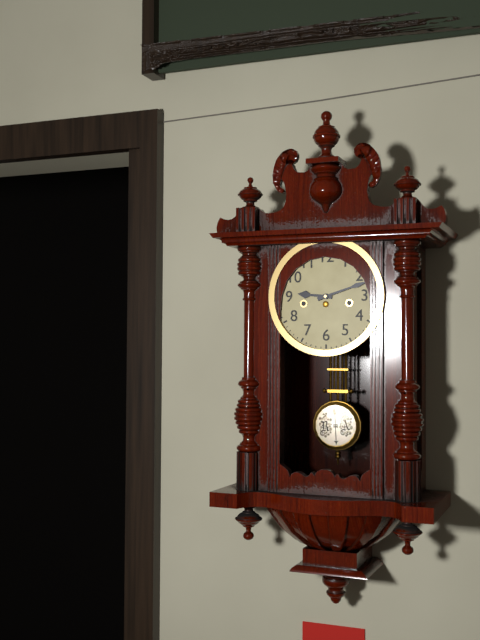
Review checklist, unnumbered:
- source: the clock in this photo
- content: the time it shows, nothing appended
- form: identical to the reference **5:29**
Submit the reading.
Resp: **9:12**
